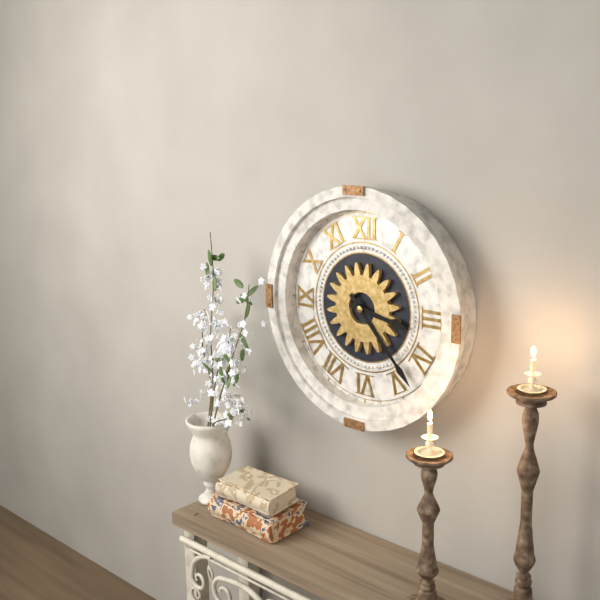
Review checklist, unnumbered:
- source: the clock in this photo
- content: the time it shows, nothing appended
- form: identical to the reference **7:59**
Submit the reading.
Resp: **3:23**
